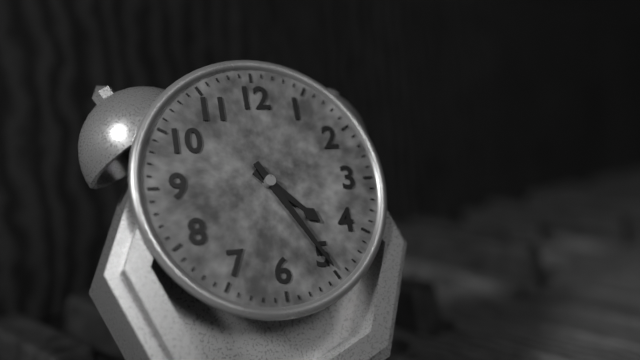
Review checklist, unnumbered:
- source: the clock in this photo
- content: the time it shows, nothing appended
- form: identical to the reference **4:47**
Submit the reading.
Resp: **4:25**
